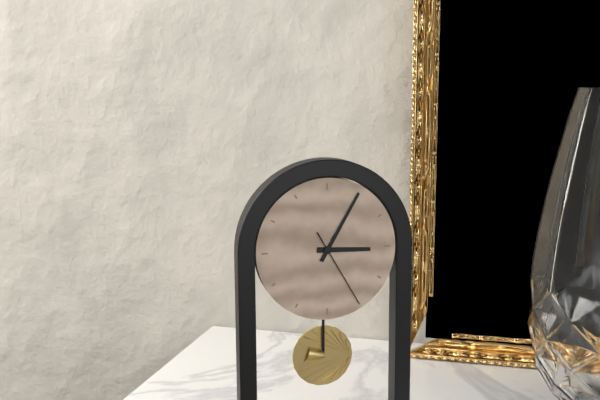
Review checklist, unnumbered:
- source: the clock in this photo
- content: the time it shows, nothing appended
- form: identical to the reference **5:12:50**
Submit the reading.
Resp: **3:05:25**
